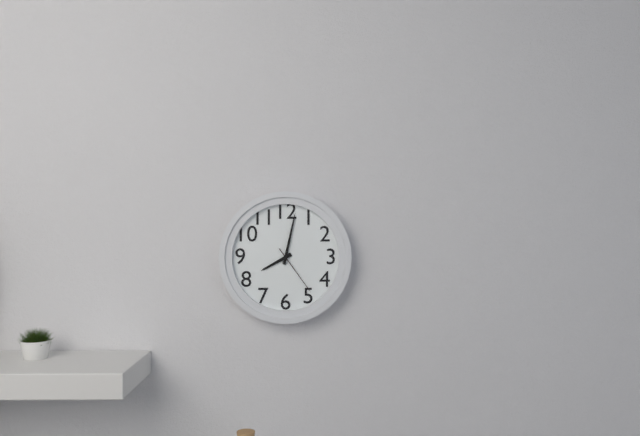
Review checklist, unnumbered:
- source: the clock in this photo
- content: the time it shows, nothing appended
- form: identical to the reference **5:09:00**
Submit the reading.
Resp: **8:02:24**
